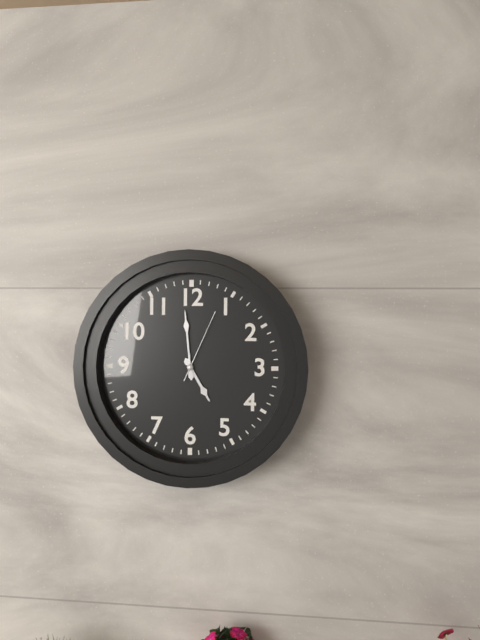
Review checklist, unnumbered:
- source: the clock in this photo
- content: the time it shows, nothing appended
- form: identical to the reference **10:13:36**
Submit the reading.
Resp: **4:59:04**
